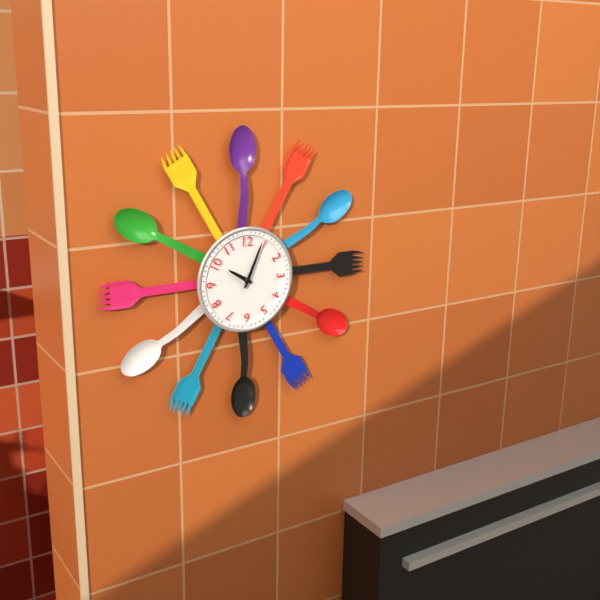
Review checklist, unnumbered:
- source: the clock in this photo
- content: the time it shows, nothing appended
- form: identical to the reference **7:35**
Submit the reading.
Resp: **10:04**
